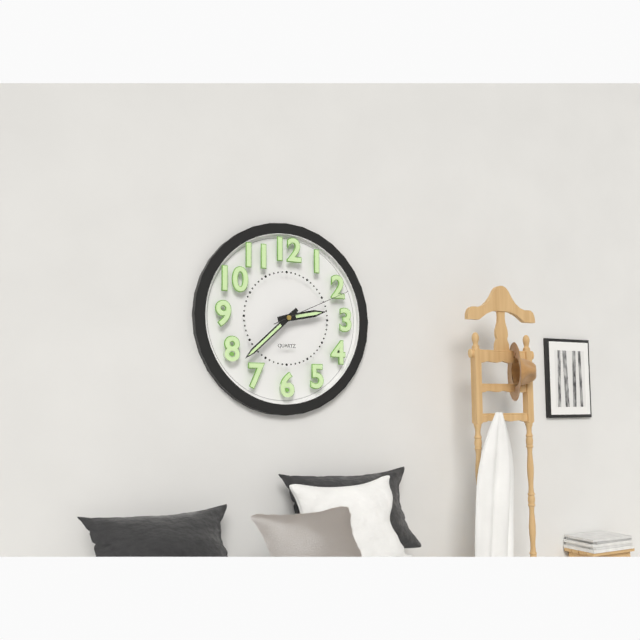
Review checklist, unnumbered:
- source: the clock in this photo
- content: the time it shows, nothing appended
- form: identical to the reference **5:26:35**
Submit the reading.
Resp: **2:38:11**
